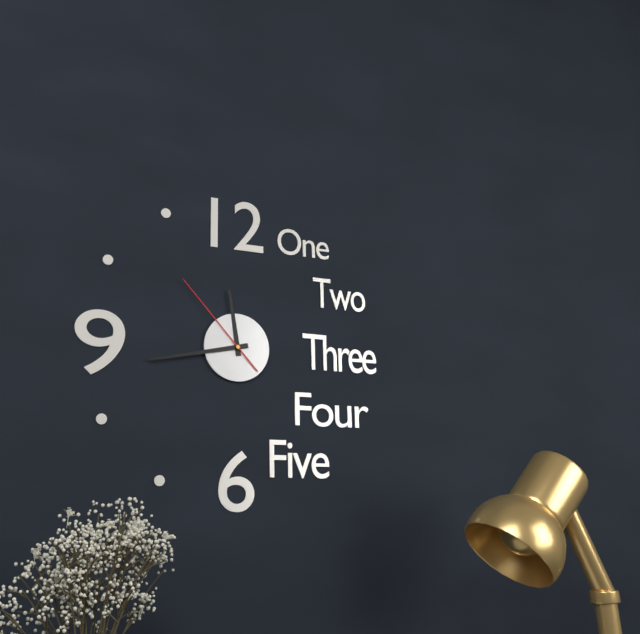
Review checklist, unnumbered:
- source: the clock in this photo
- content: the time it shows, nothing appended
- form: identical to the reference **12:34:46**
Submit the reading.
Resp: **11:43:53**
